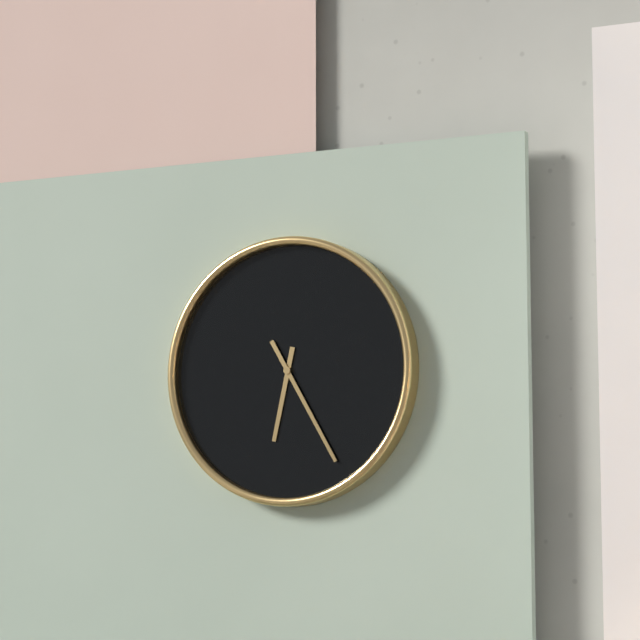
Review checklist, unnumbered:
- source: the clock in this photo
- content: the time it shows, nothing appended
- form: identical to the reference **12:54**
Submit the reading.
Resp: **6:25**
